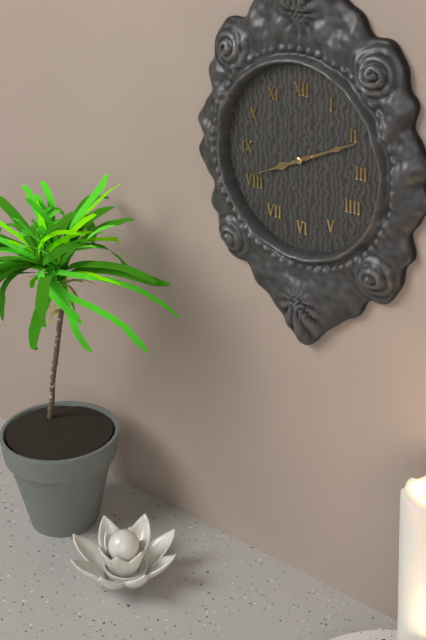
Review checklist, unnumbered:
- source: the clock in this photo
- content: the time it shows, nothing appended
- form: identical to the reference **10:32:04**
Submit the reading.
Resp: **8:11:41**
